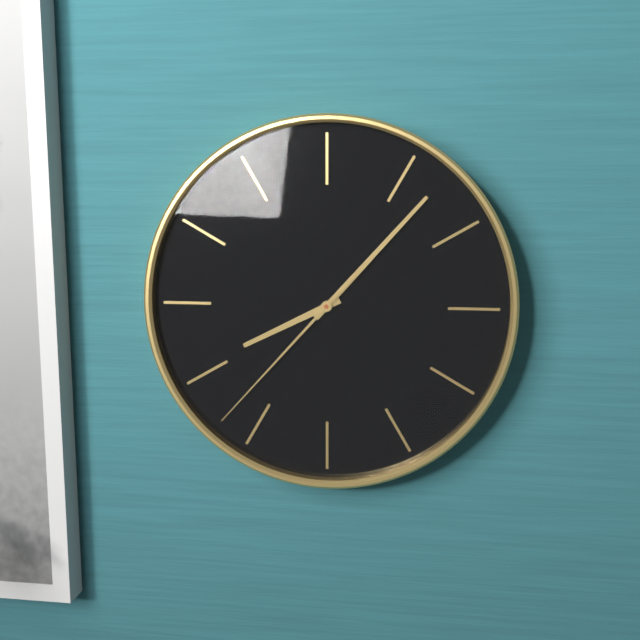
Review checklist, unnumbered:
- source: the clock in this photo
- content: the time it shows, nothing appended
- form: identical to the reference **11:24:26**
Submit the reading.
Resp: **8:07:37**
